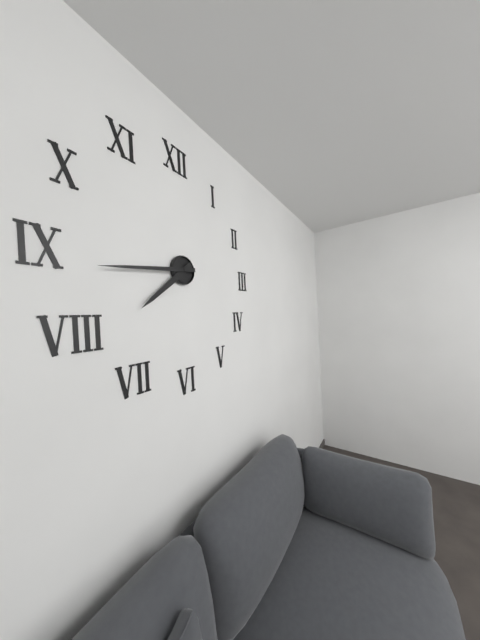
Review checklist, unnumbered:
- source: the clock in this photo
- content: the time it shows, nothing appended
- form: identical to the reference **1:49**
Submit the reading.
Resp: **7:44**
